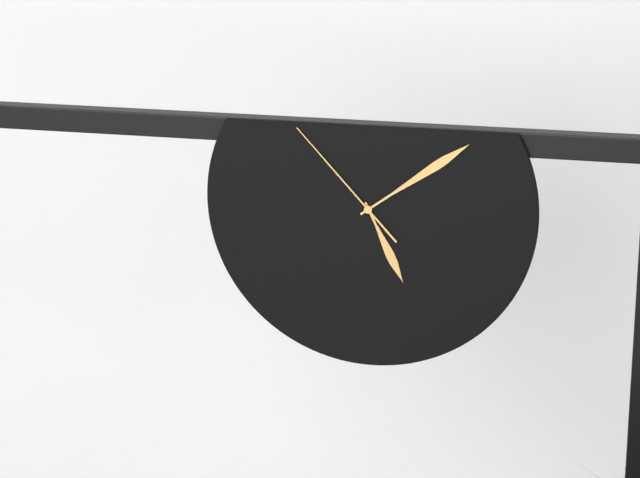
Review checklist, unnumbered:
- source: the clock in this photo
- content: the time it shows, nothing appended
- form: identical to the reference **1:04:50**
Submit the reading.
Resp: **5:09:53**
